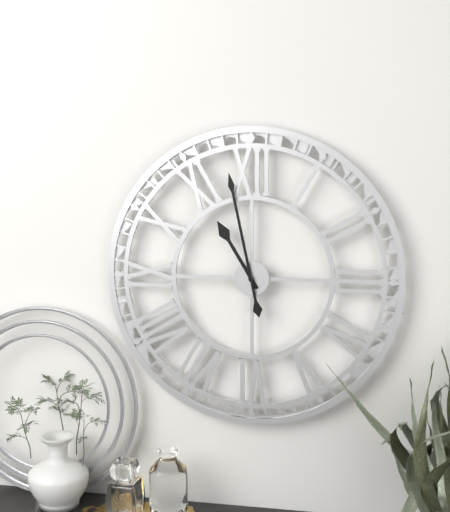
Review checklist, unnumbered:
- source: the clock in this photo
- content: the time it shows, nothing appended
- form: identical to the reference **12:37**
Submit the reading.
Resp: **10:58**
